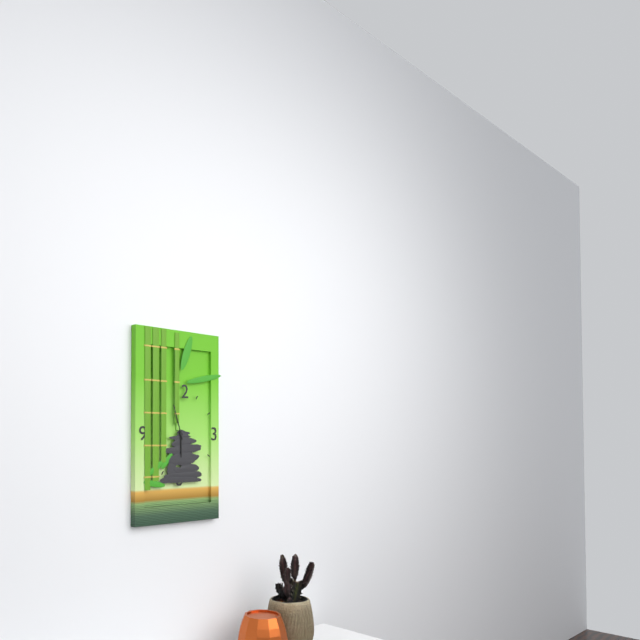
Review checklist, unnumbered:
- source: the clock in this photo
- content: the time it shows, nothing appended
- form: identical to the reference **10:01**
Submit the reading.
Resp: **5:57**
